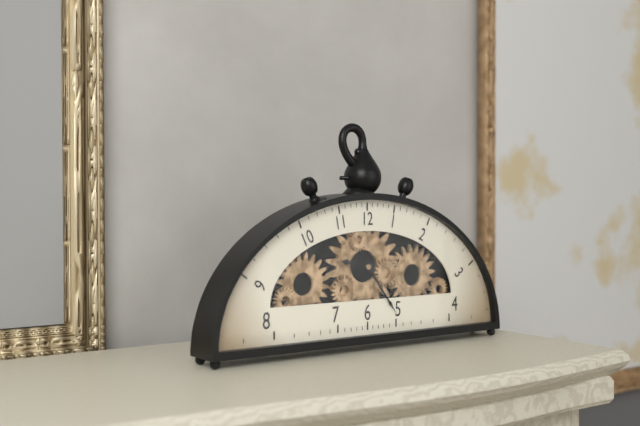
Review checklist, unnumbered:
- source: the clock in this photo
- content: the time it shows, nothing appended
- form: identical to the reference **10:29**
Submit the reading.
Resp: **9:24**
